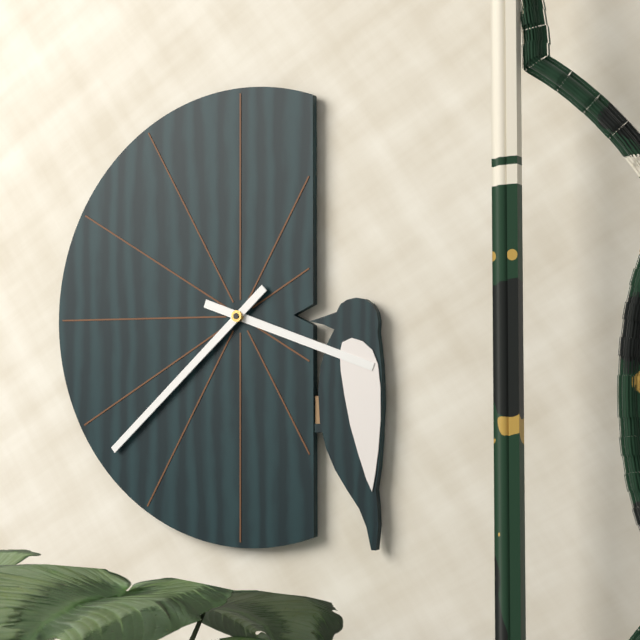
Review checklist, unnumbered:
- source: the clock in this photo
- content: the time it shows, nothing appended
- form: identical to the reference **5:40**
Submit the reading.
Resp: **3:38**
